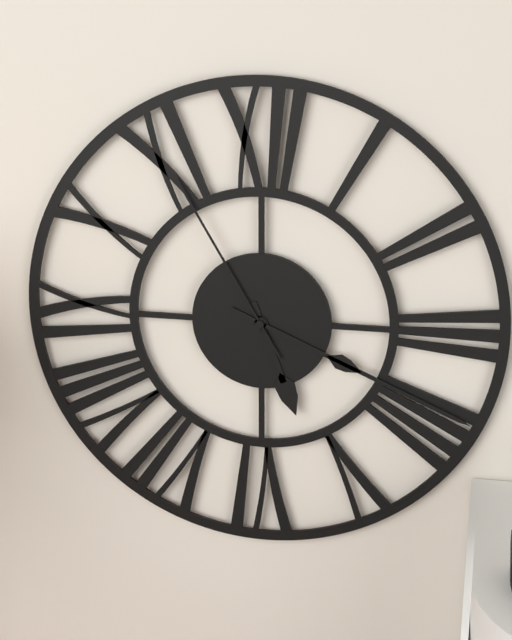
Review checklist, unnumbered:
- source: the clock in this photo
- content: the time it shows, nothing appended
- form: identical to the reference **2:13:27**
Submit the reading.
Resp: **5:19:55**
